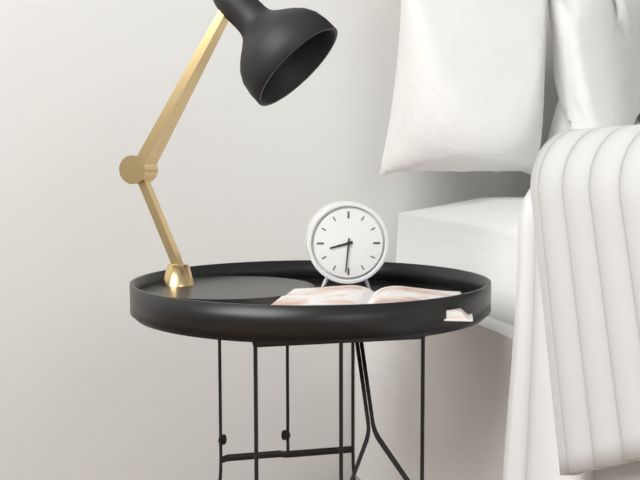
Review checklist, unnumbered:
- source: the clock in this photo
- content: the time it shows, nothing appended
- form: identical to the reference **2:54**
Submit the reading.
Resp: **8:31**
